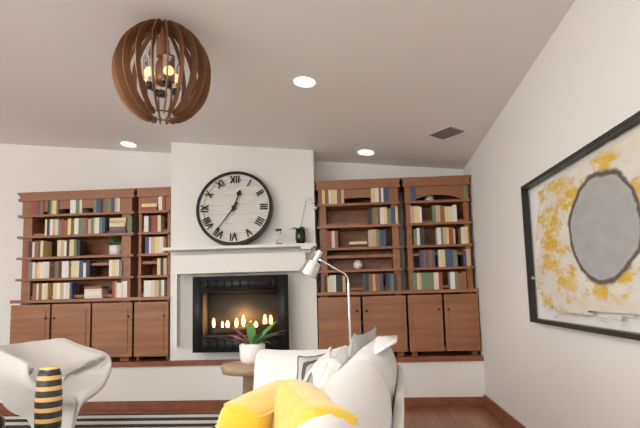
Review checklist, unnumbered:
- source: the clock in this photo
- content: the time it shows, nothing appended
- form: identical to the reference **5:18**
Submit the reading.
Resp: **12:36**
